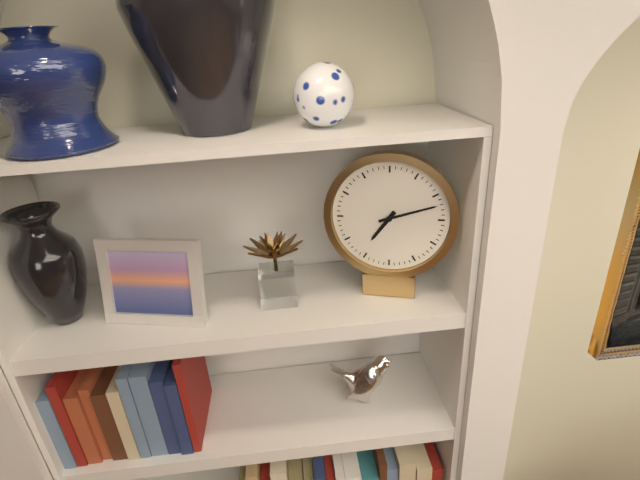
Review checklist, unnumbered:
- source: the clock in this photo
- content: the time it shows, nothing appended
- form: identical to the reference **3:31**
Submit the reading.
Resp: **7:12**
